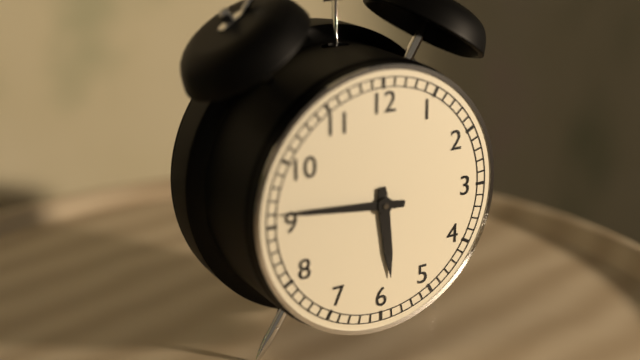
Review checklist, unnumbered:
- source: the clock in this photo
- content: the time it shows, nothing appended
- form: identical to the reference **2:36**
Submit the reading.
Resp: **5:46**
